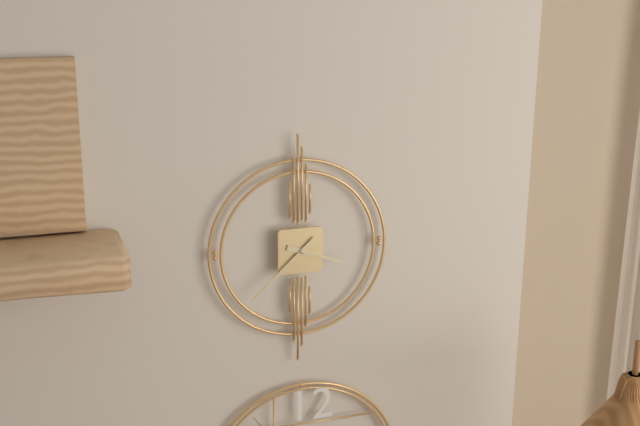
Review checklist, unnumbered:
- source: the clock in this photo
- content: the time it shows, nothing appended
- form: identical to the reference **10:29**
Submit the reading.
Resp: **3:38**
